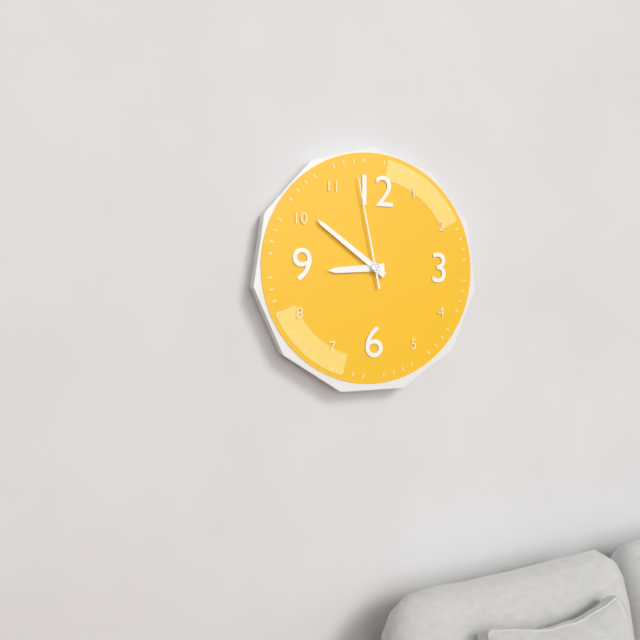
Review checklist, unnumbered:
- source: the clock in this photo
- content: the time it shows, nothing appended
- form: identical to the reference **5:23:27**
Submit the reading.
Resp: **8:51:58**
